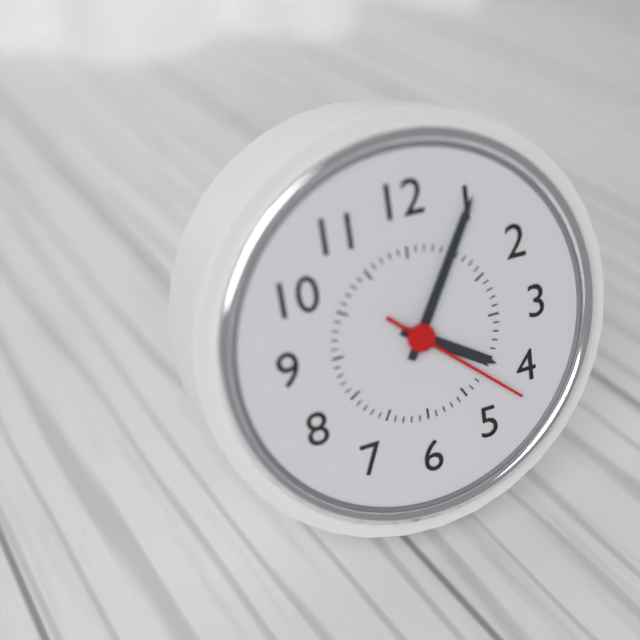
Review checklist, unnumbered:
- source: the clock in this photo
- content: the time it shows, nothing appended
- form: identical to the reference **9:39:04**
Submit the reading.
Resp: **4:05:22**
